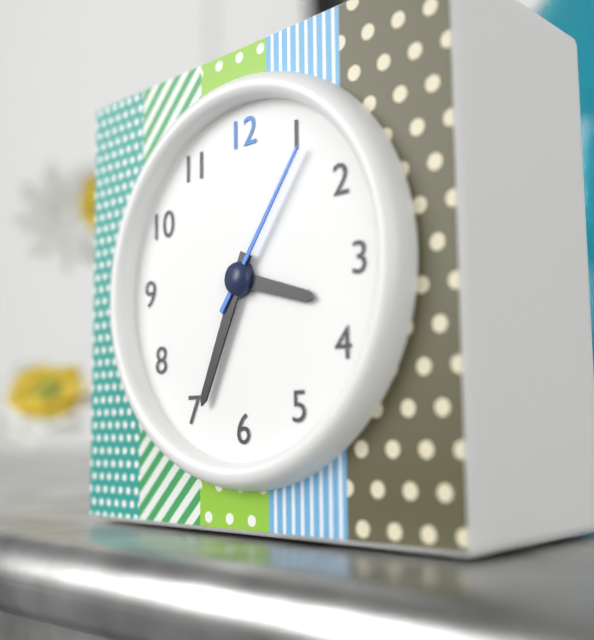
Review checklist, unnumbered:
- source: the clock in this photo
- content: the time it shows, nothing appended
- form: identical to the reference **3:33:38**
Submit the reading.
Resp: **3:34:06**
